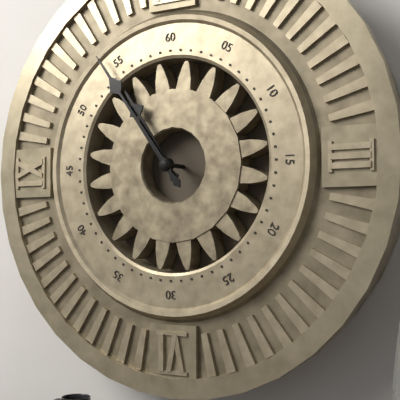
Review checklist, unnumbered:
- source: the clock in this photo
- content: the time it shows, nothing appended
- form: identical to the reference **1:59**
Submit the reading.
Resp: **10:54**
